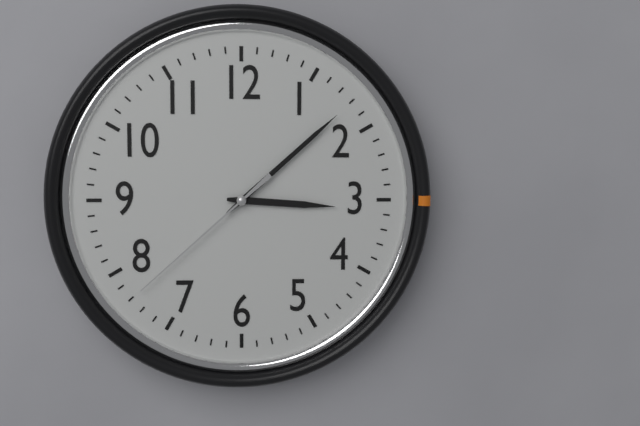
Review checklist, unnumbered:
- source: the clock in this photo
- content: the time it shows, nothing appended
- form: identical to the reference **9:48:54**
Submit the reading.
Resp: **3:08:38**
